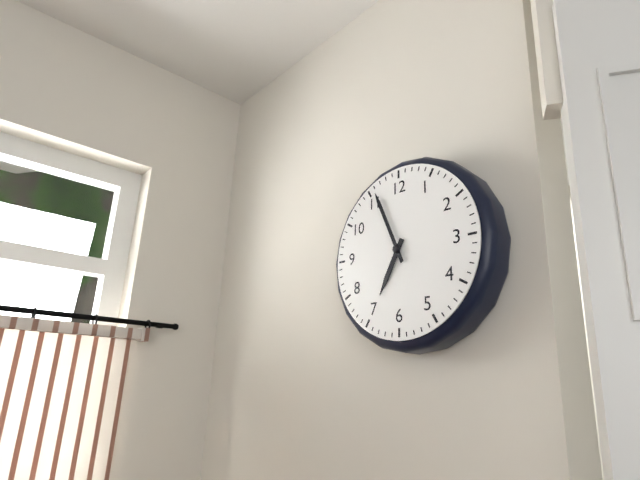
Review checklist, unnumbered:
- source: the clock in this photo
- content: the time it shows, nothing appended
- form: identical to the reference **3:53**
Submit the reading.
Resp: **6:56**
